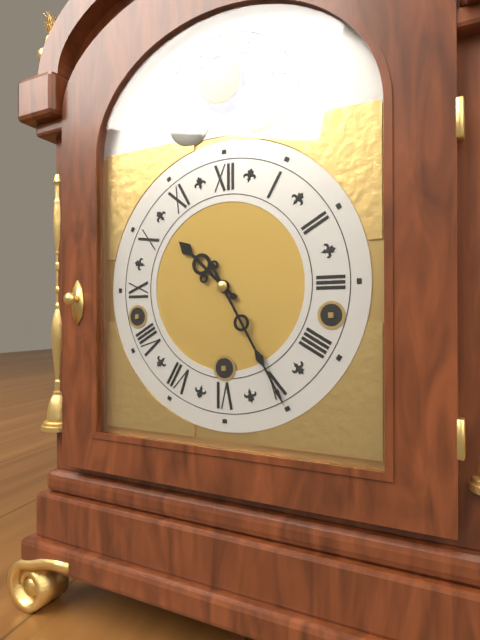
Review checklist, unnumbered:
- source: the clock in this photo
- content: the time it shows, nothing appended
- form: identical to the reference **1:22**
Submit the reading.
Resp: **10:25**
